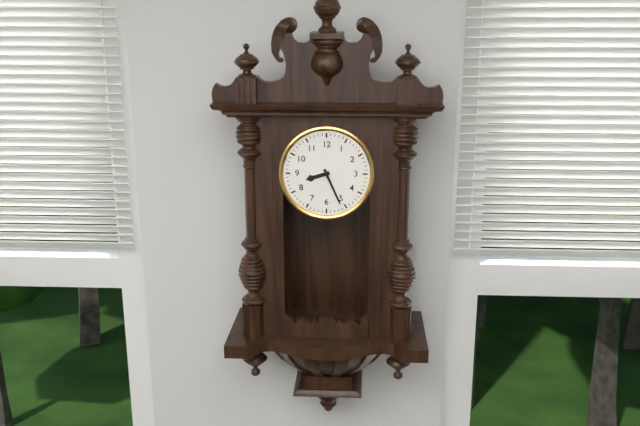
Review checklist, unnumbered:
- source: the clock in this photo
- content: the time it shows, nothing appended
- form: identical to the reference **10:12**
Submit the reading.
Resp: **8:26**
